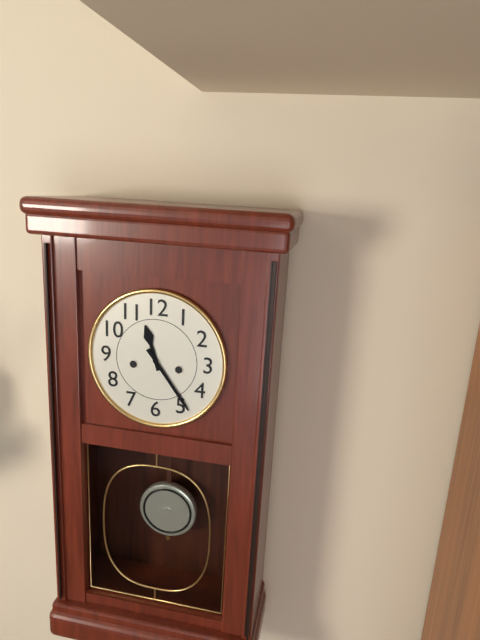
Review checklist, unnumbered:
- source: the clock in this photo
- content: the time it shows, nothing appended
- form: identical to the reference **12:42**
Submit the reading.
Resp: **11:24**
